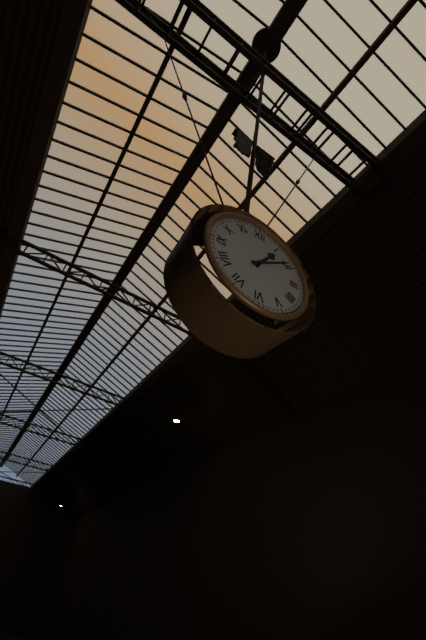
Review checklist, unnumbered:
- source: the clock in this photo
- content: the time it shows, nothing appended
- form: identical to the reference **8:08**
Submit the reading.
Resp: **1:09**
